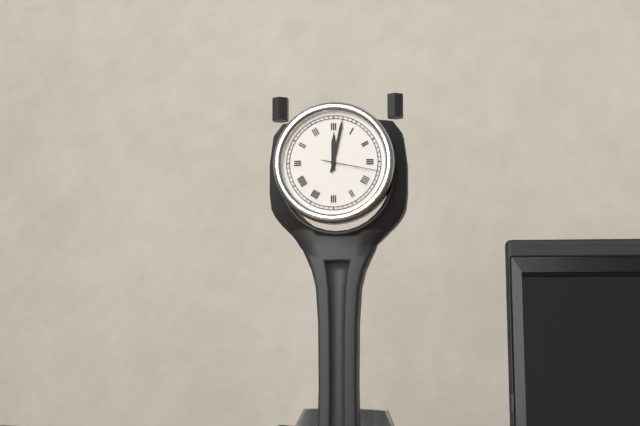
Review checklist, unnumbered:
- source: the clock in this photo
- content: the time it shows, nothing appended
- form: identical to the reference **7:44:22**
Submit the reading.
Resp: **12:02:17**
